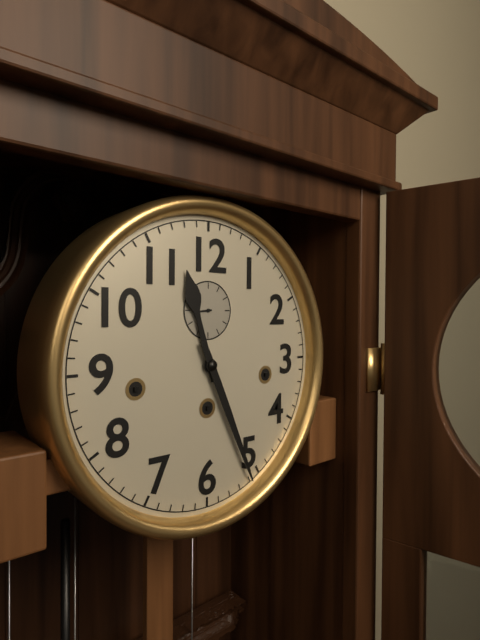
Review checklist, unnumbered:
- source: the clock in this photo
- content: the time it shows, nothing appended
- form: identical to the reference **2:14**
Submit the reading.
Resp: **11:26**
